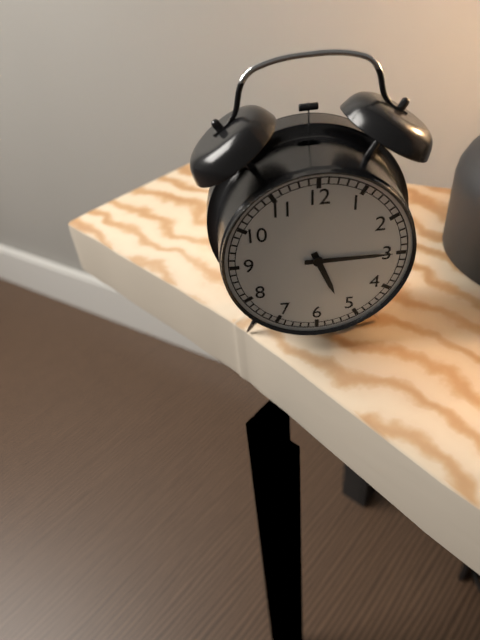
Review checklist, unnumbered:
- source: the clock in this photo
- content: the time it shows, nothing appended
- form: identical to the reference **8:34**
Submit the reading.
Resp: **5:15**
